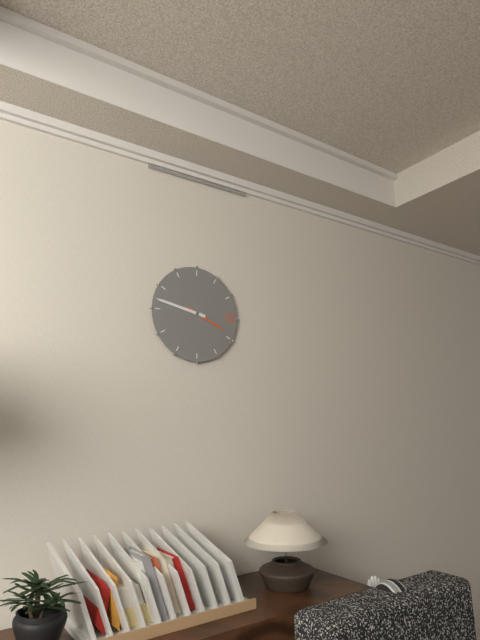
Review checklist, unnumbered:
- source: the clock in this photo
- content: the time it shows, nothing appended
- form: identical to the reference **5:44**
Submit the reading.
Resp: **3:47**
